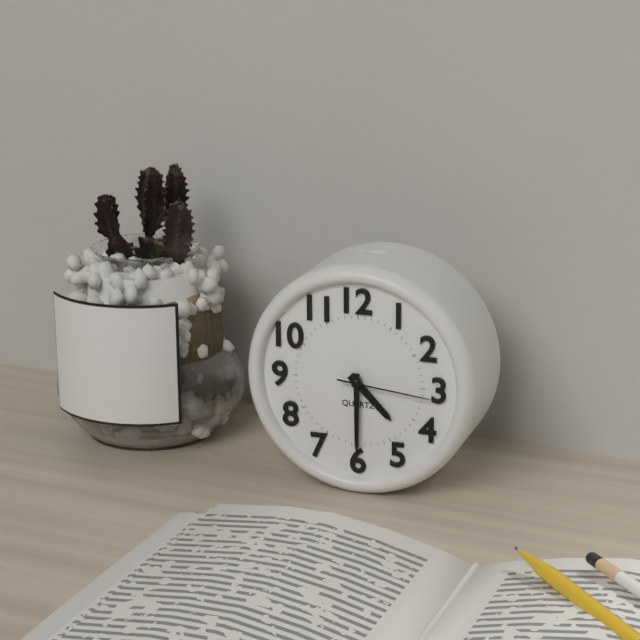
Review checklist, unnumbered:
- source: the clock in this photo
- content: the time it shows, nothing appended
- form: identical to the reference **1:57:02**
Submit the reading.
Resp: **4:30:16**
